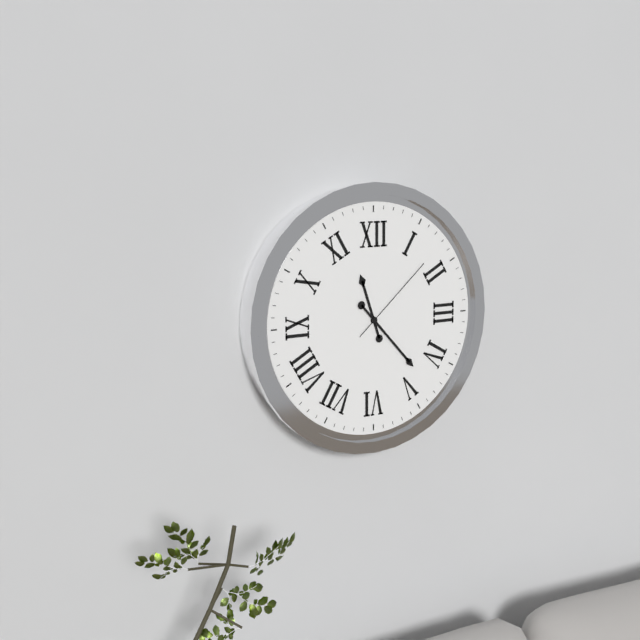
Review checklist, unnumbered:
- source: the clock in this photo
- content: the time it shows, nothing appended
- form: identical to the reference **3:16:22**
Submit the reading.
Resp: **11:23:08**
